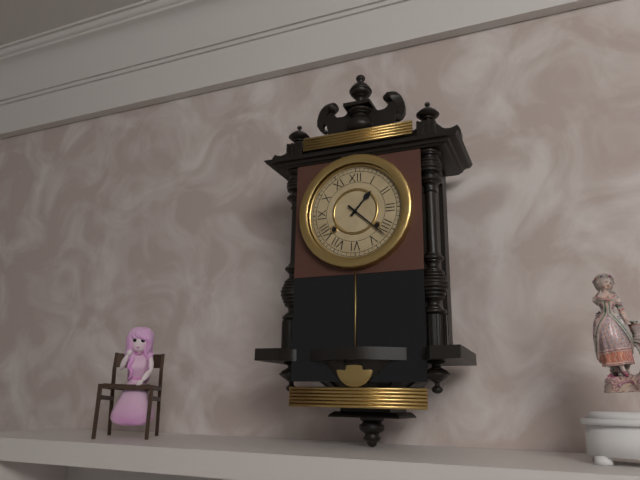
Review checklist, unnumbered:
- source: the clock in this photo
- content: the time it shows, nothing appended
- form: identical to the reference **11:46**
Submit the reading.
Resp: **1:22**
